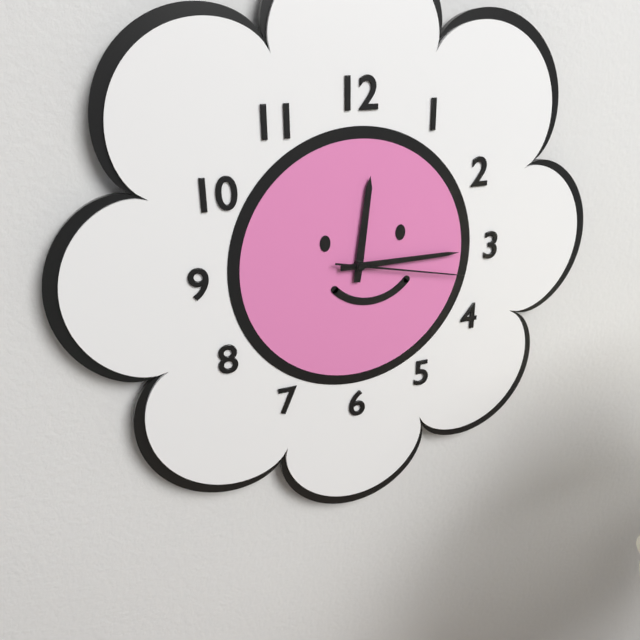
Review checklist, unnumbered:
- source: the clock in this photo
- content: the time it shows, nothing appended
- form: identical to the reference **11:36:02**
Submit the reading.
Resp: **12:15:17**
